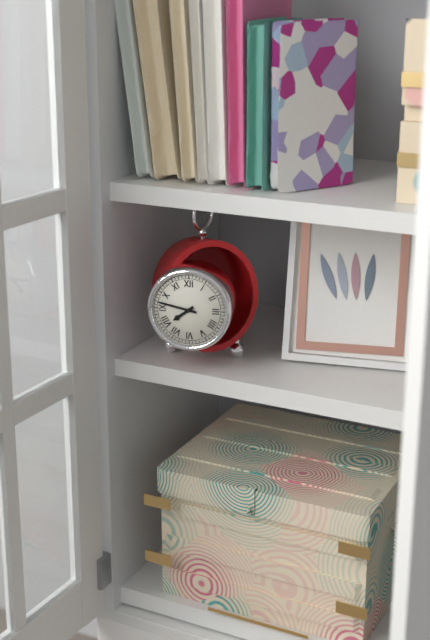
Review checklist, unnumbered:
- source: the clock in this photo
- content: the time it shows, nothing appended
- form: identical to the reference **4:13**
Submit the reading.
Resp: **7:47**
